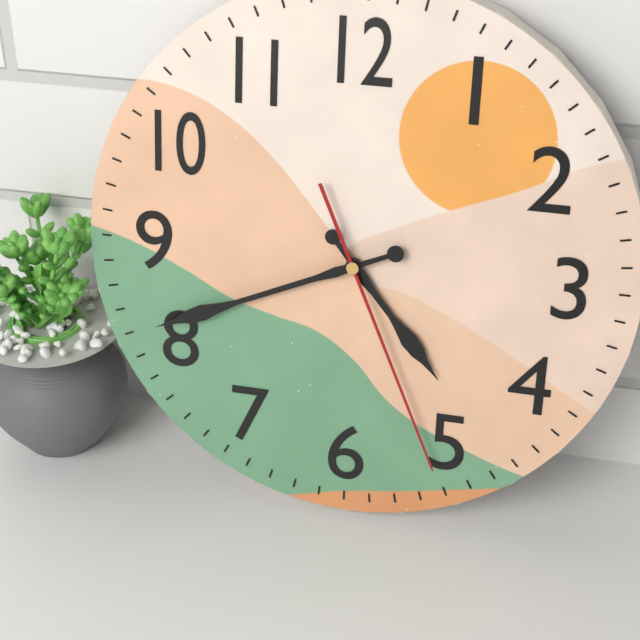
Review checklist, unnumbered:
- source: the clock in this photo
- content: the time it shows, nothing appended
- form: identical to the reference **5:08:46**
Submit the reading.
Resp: **4:41:26**
